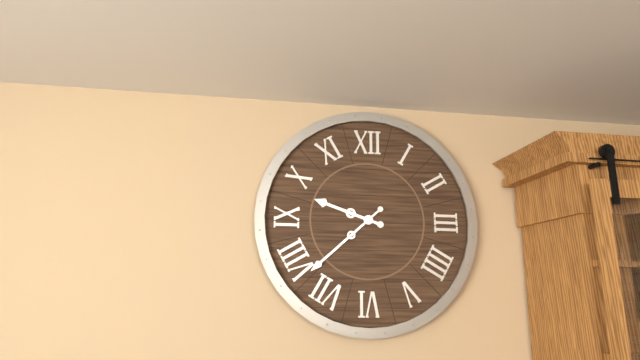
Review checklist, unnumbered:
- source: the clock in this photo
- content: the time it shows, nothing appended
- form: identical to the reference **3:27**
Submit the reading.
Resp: **9:38**
